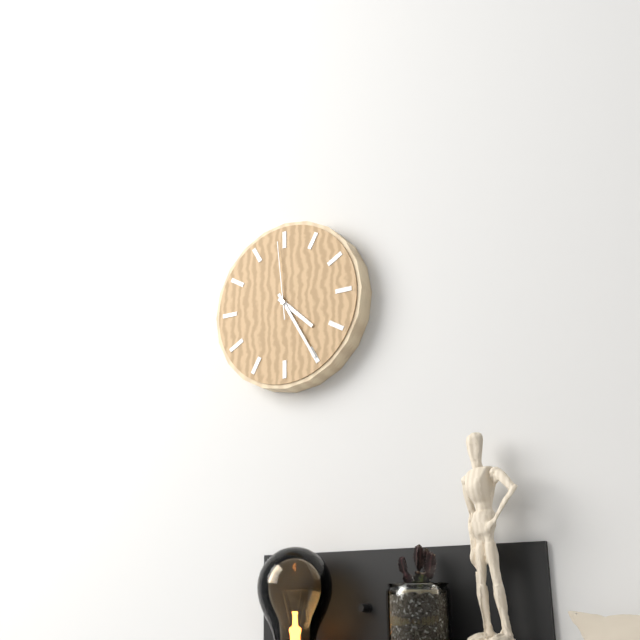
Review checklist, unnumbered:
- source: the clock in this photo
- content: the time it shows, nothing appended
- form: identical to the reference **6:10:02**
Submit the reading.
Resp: **4:25:59**
